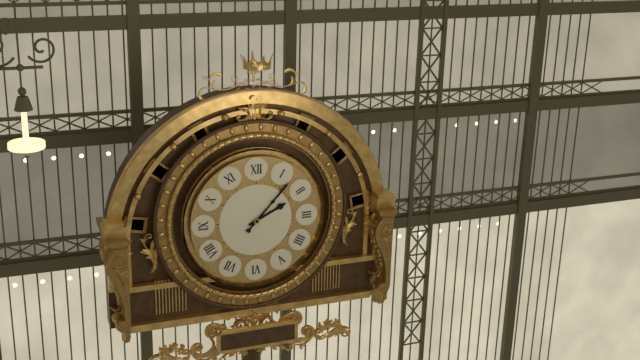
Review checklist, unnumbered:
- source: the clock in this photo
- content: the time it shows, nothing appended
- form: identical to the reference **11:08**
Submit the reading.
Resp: **2:07**
